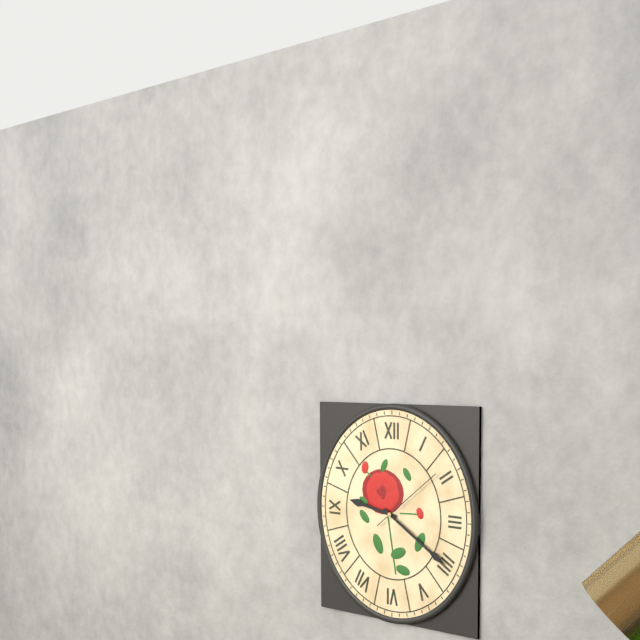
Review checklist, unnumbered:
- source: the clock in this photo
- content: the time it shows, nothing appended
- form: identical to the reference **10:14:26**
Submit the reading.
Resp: **9:20:09**
